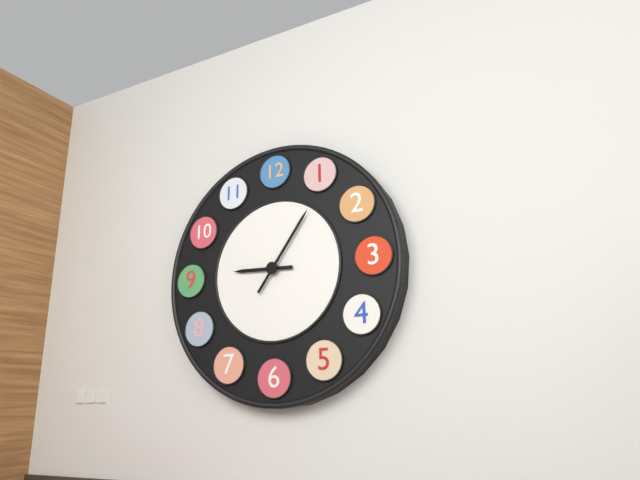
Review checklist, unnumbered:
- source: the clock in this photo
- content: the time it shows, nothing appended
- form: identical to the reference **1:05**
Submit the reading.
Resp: **9:06**
